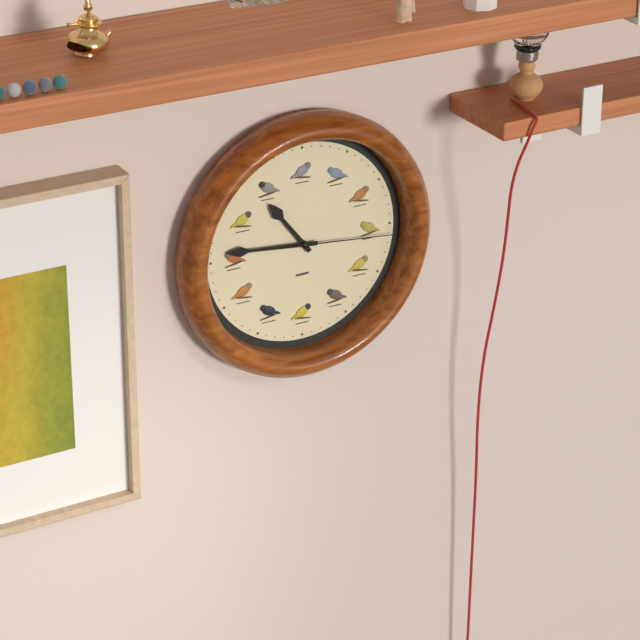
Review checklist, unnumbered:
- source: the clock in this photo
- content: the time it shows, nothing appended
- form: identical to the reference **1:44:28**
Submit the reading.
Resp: **10:46:16**
